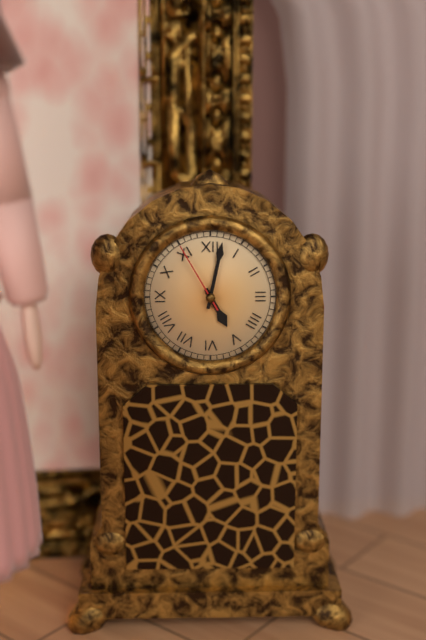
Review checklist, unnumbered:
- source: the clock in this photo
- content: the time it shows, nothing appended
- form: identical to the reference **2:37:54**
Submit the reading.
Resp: **5:02:55**
